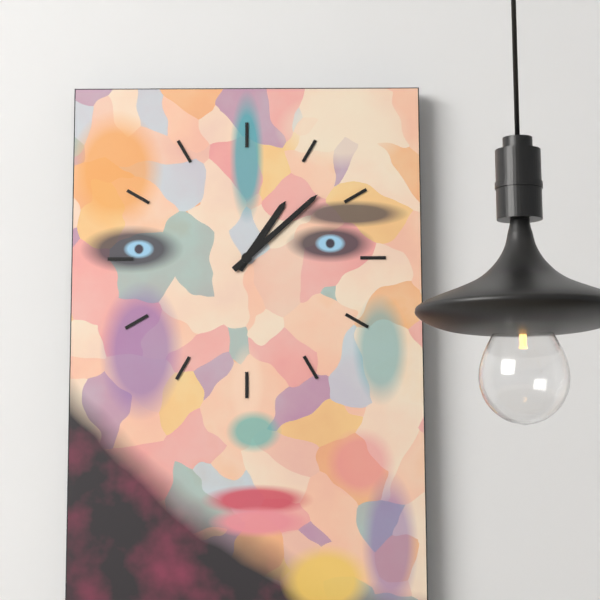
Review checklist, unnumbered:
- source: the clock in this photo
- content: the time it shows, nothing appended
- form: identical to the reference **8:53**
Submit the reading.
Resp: **1:08**
